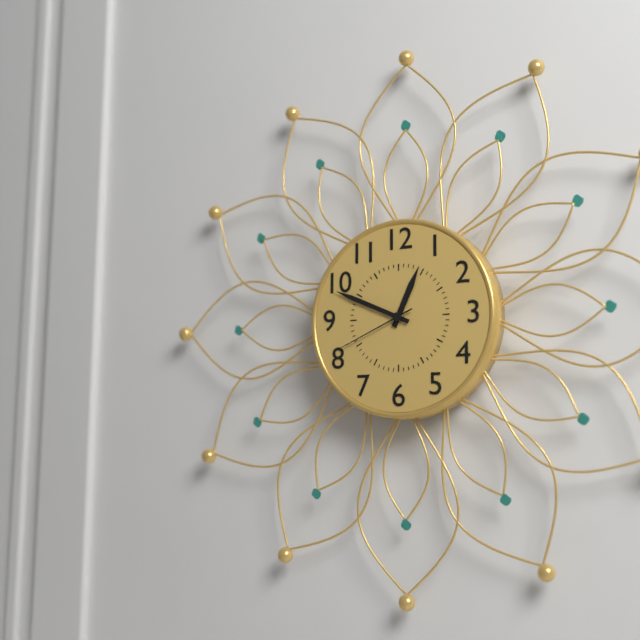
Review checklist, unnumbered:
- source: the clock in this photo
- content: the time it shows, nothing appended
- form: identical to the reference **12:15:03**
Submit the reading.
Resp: **12:49:41**
